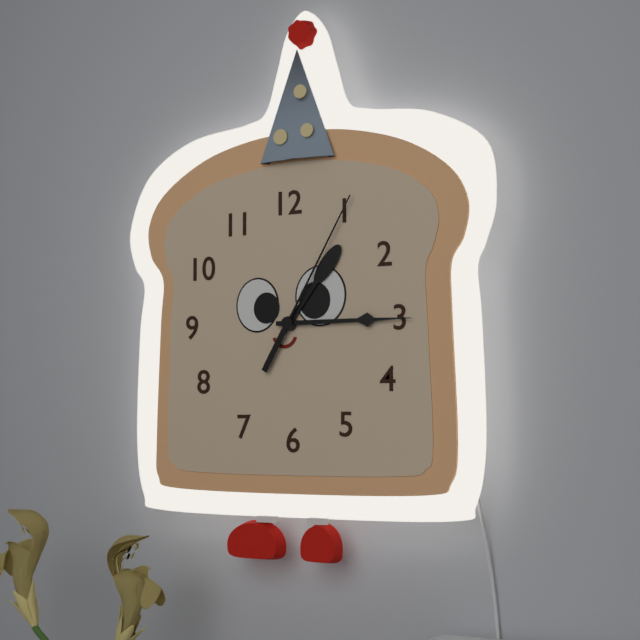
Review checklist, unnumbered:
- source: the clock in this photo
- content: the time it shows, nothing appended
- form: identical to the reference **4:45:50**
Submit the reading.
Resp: **1:15:05**
